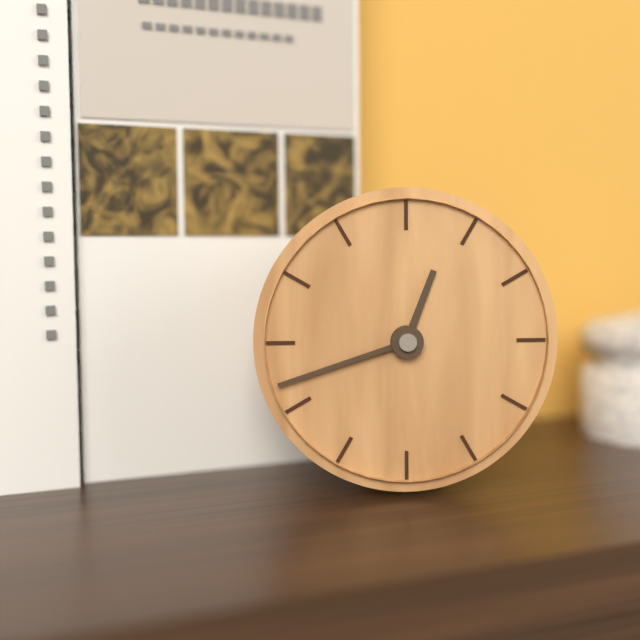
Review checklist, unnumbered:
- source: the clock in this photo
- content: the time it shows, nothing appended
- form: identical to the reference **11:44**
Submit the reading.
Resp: **12:42**
